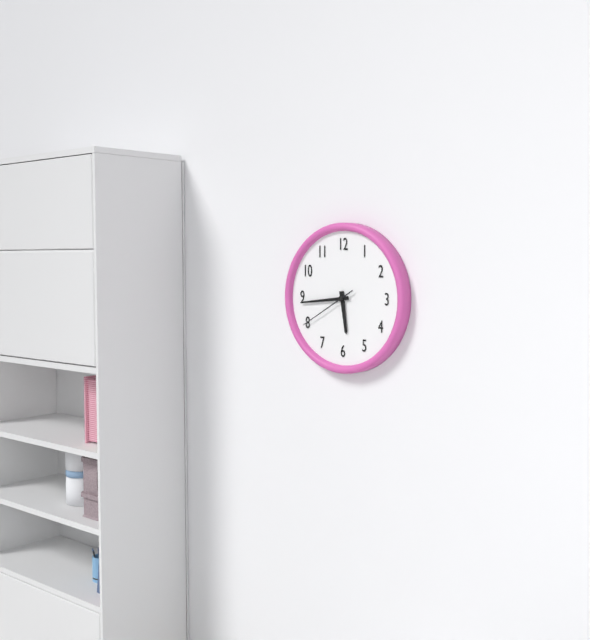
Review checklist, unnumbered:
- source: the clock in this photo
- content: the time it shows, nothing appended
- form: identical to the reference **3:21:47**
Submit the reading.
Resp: **5:44:40**
